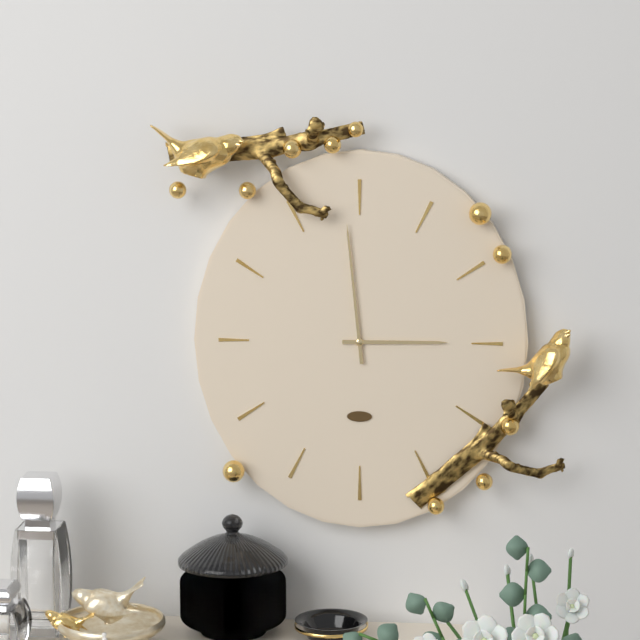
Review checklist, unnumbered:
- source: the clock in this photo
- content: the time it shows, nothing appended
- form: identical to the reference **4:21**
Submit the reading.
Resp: **2:59**
